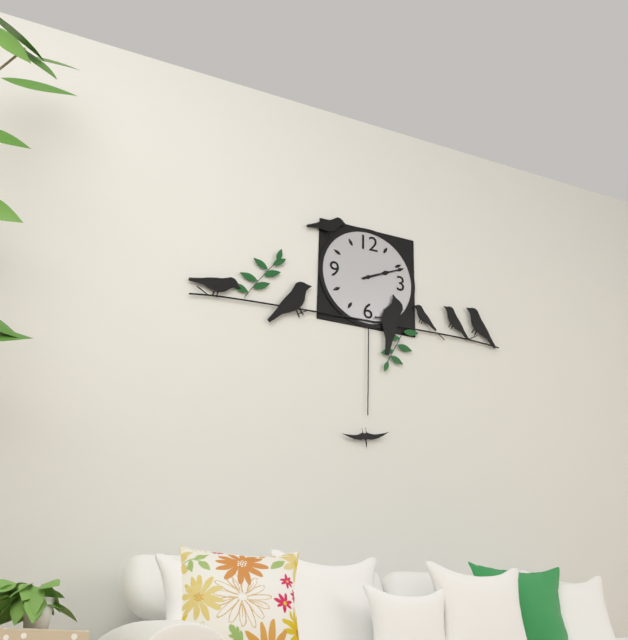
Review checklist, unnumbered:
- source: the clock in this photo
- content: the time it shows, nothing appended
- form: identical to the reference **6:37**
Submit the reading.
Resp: **2:11**
